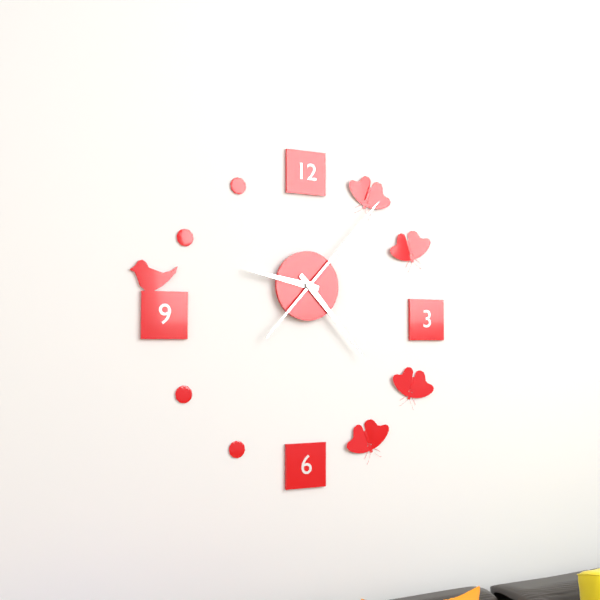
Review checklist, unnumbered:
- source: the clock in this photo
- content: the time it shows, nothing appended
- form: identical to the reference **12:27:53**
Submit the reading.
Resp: **9:23:07**
